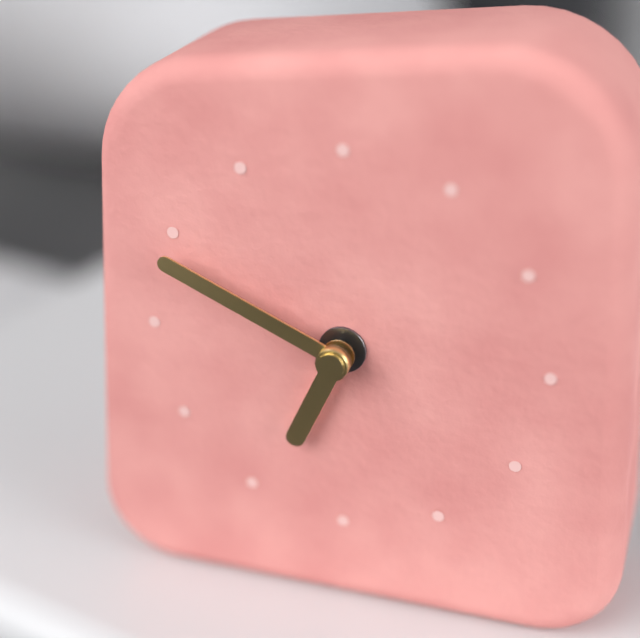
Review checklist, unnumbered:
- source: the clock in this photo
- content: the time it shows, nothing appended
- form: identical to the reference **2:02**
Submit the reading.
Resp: **6:49**
